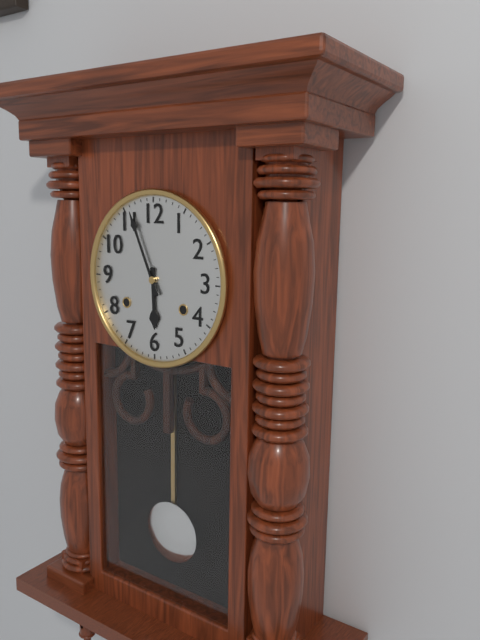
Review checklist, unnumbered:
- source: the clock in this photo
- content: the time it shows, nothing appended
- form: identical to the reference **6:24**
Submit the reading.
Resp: **5:56**
